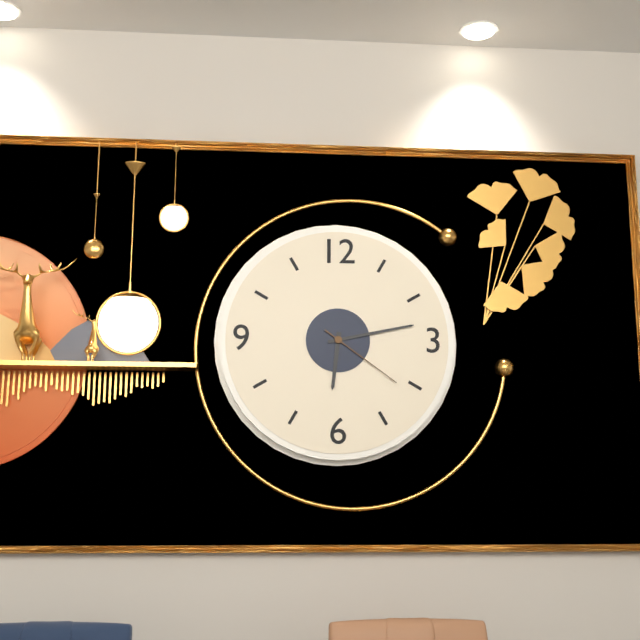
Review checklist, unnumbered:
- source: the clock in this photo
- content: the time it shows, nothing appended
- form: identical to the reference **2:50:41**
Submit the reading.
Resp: **6:13:21**
